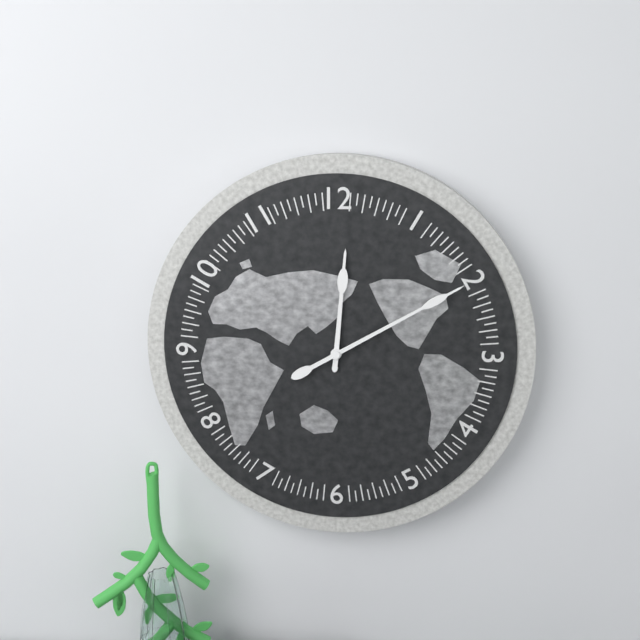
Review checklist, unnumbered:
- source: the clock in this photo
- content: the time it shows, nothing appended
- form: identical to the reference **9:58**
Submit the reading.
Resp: **12:10**
